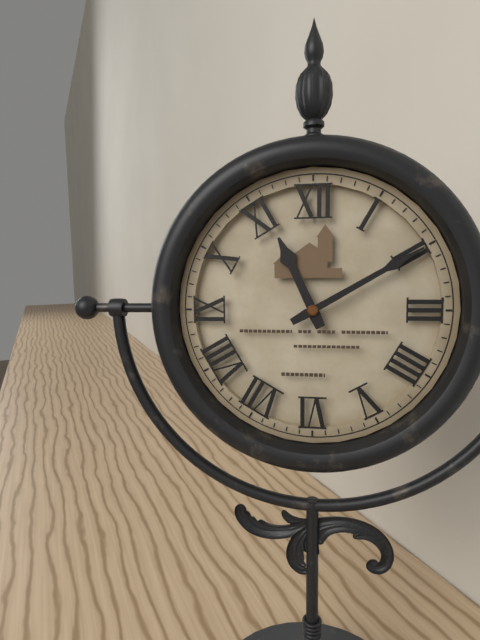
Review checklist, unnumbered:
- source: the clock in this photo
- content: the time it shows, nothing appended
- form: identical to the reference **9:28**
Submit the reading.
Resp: **11:10**
